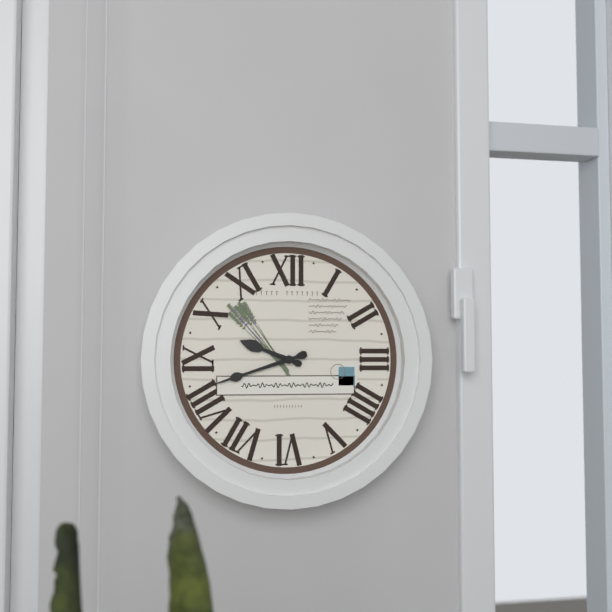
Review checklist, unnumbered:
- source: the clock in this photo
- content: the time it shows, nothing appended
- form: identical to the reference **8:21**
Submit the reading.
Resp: **9:42**
